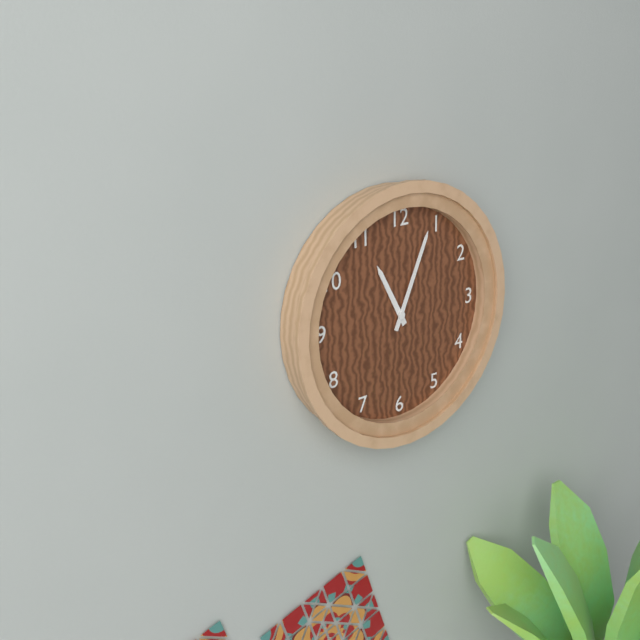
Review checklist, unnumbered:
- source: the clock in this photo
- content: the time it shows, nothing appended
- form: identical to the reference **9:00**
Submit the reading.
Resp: **11:04**
